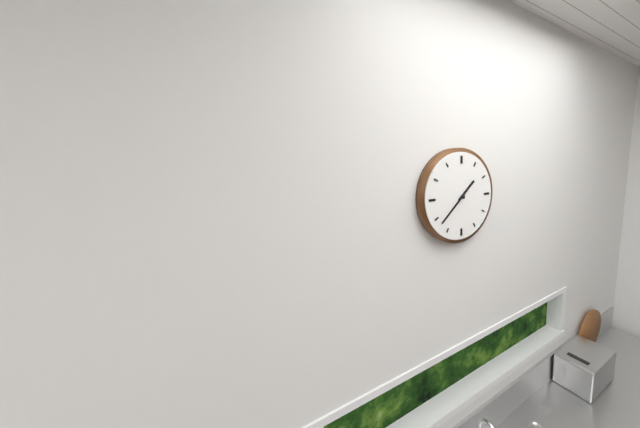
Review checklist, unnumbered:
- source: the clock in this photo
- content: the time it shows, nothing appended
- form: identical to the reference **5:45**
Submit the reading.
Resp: **1:38**
